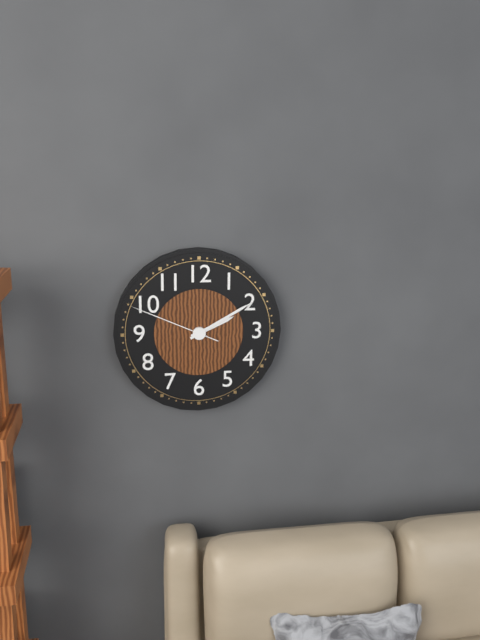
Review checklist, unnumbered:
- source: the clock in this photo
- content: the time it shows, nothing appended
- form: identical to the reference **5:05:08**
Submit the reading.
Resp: **2:10:49**
